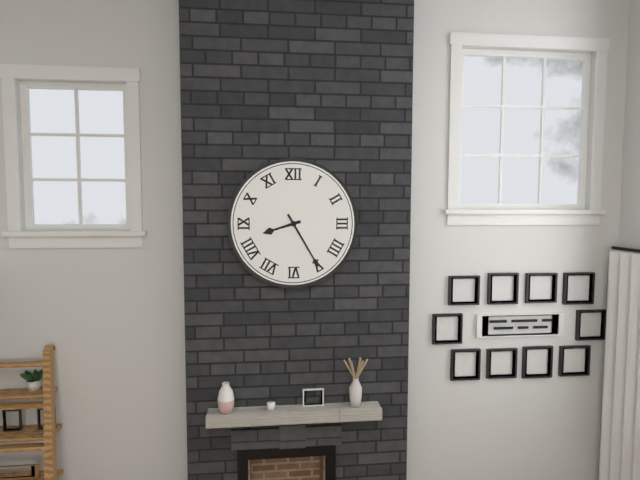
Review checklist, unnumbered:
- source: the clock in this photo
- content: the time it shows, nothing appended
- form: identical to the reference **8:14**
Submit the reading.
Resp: **8:25**
